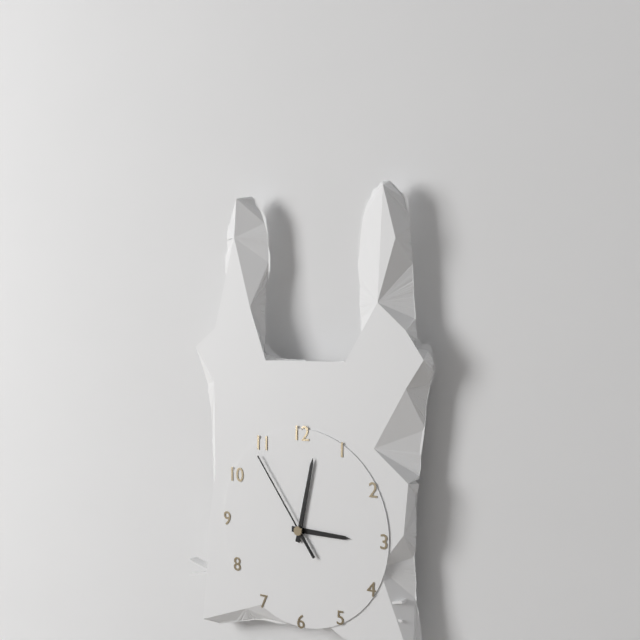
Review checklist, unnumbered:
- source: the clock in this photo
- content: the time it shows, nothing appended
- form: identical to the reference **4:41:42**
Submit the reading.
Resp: **3:02:54**
